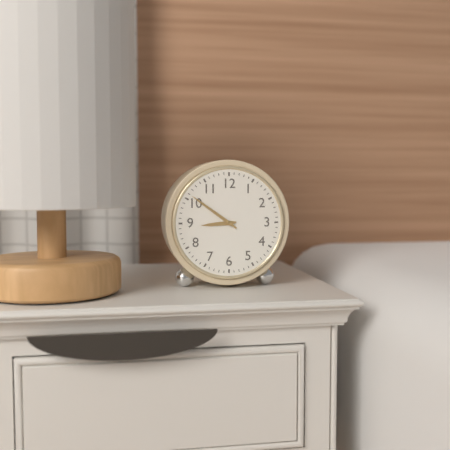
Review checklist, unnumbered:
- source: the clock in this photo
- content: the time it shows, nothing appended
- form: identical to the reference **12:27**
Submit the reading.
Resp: **8:51**
